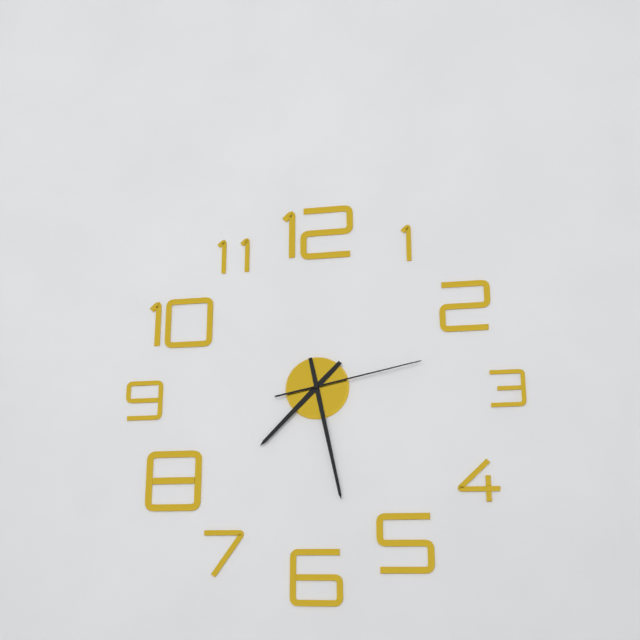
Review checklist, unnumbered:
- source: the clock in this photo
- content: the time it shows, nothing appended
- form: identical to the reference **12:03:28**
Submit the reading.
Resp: **7:28:13**
